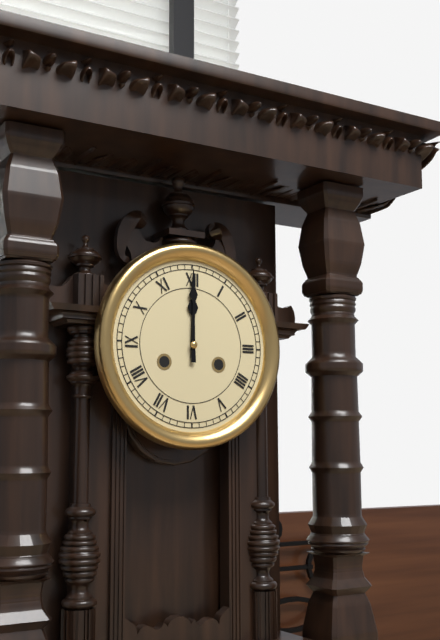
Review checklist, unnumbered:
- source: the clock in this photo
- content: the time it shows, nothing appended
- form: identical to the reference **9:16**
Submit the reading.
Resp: **12:00**
